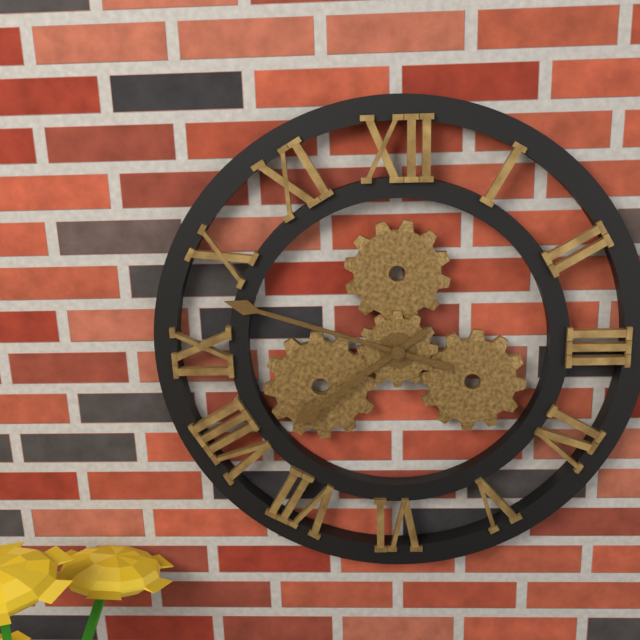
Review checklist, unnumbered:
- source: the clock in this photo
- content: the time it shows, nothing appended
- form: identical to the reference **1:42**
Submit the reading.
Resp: **7:48**
